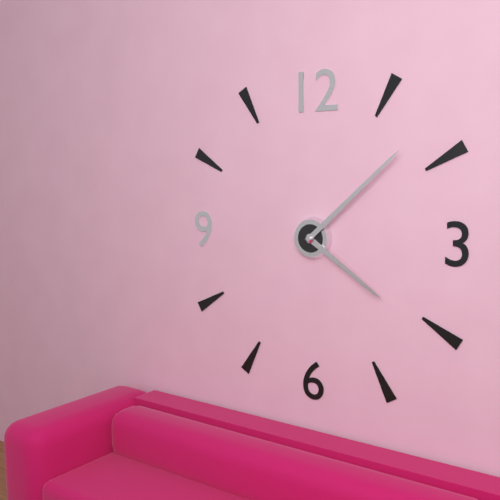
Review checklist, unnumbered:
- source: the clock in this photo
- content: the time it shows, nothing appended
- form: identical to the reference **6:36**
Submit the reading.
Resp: **4:08**
